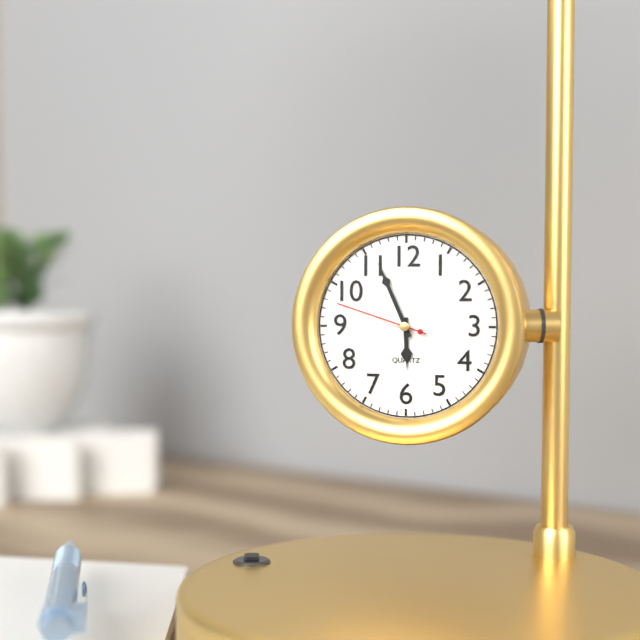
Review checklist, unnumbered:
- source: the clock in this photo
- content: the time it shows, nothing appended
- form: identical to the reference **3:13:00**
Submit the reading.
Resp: **5:56:48**
